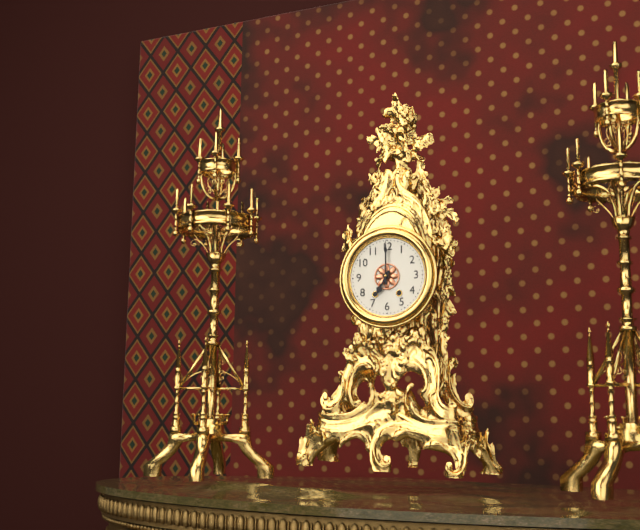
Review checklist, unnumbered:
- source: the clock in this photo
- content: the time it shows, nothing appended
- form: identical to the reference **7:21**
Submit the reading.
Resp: **7:00**
